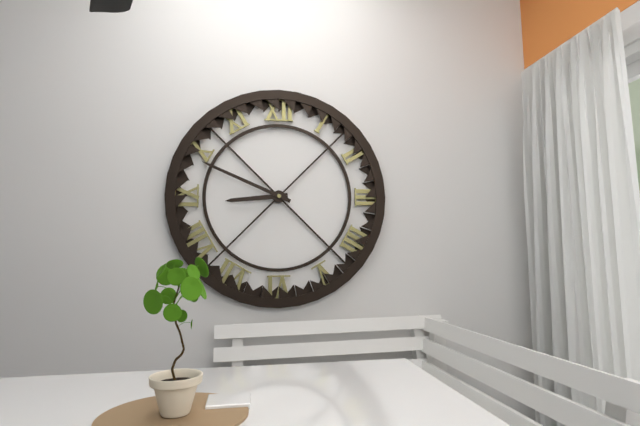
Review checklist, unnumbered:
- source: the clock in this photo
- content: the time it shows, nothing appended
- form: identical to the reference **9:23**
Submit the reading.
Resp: **8:49**
